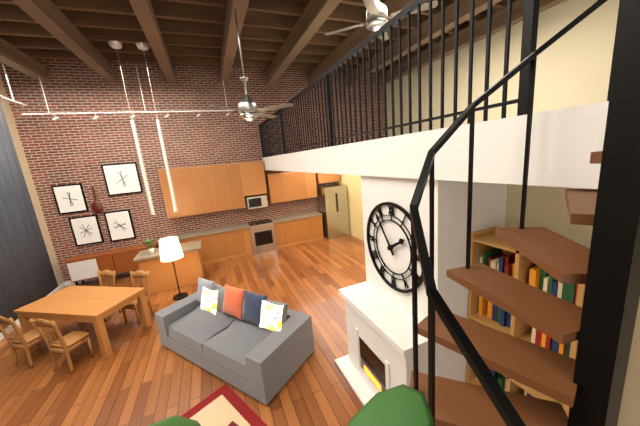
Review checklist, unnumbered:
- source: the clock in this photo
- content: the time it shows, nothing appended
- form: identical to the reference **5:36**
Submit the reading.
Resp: **1:54**
